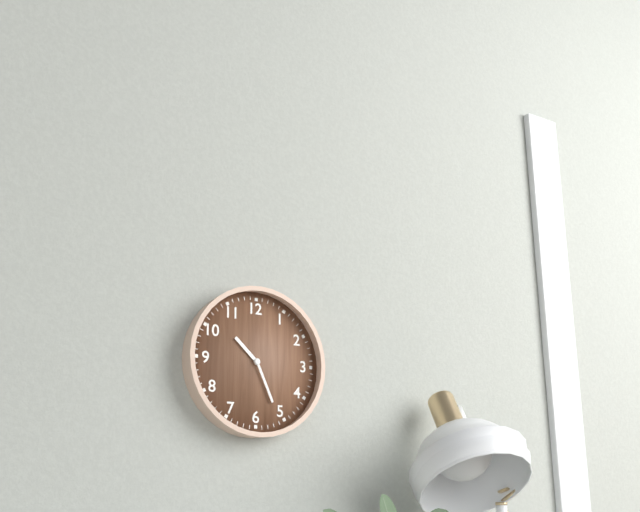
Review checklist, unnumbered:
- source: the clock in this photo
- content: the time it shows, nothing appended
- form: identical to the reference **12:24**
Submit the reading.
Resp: **10:26**
